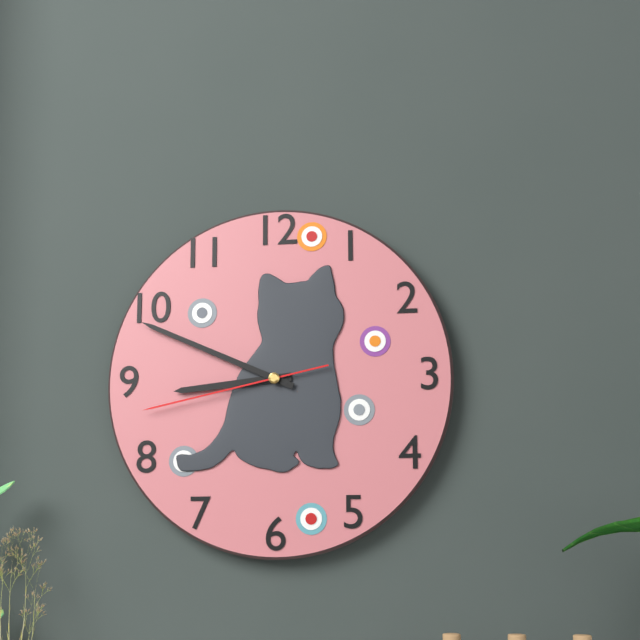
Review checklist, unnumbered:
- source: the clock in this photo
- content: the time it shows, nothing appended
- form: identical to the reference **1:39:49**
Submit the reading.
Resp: **8:49:43**
